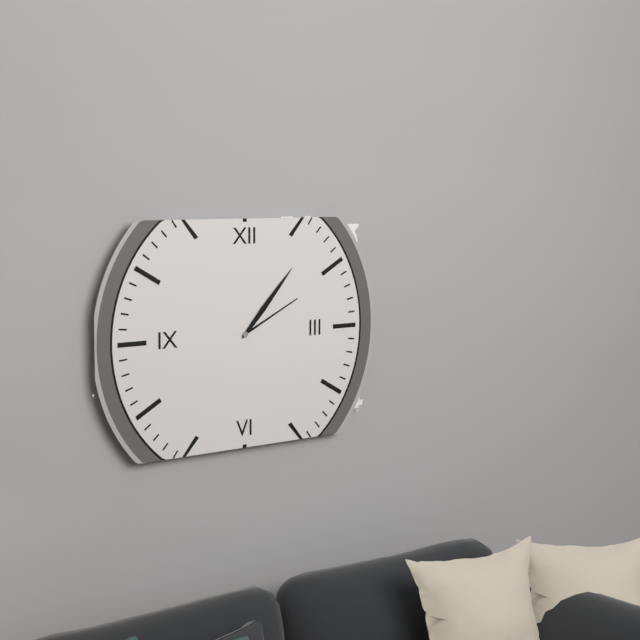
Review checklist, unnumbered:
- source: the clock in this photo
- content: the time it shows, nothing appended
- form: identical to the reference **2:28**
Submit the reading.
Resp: **2:07**
